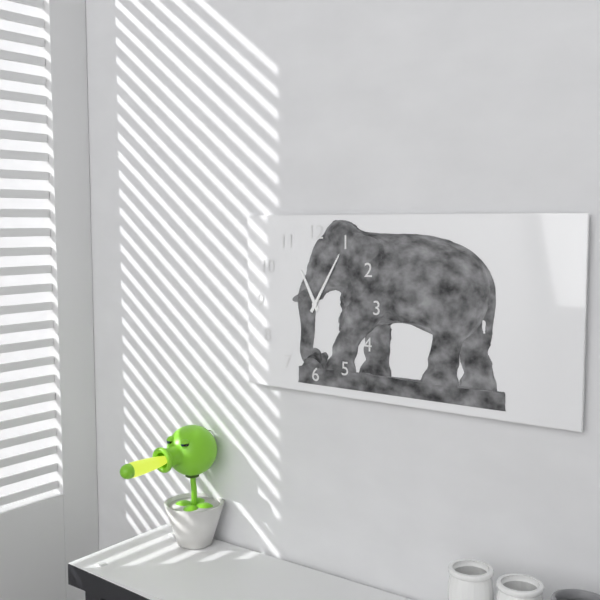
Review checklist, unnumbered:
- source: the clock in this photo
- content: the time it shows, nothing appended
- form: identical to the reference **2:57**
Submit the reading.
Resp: **11:05**
